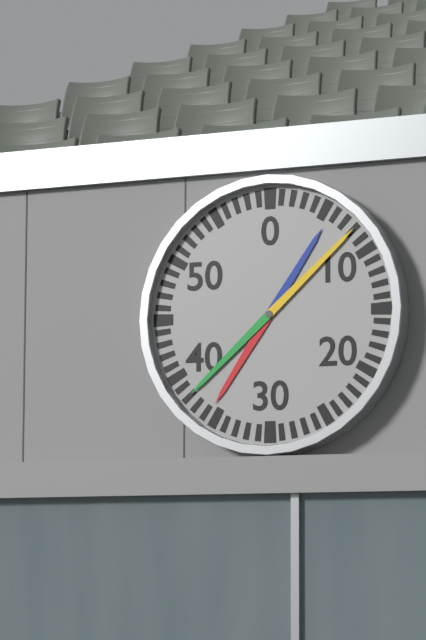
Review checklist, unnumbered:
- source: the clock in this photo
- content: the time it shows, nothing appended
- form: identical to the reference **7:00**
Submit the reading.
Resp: **7:08**
